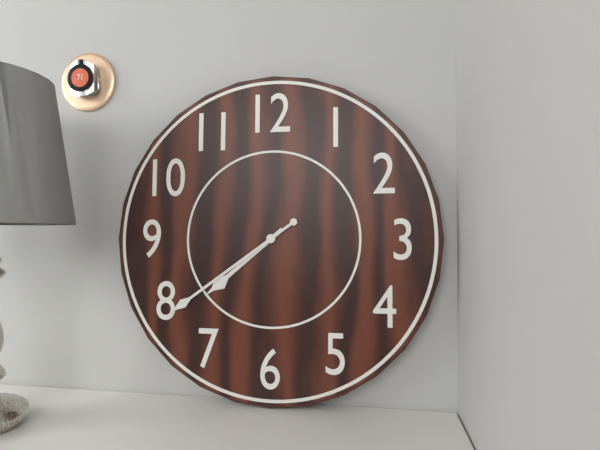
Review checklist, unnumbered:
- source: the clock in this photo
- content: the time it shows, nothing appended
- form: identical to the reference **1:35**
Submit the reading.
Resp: **7:39**
